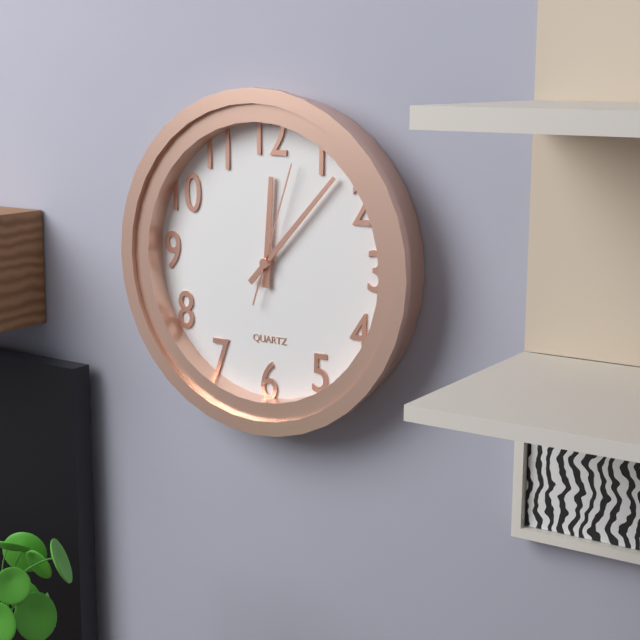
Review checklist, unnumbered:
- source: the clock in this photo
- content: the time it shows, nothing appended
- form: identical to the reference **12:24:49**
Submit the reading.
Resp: **12:07:03**
